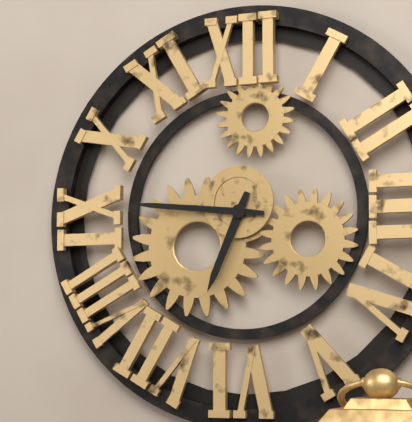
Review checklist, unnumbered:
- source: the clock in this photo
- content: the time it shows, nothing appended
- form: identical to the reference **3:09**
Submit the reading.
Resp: **6:46**
